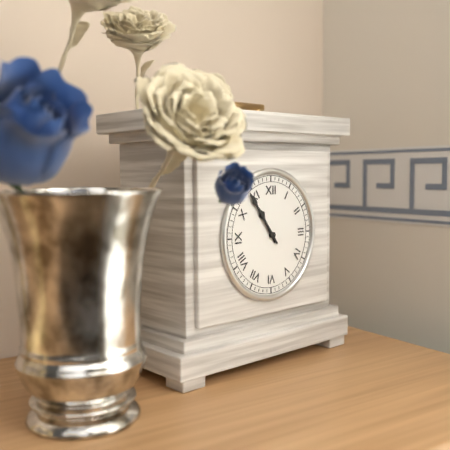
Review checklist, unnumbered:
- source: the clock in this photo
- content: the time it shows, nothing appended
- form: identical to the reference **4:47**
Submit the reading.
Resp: **10:54**
